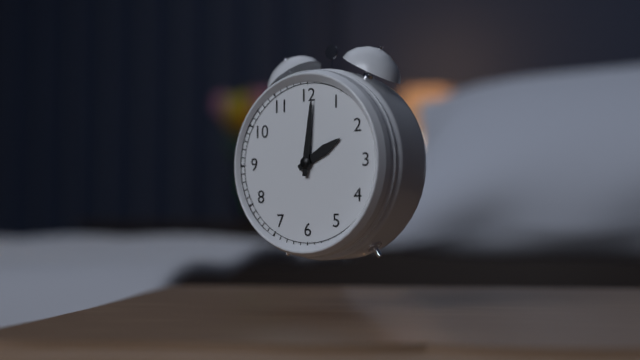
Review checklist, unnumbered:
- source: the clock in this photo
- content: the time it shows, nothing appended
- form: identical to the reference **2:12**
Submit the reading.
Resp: **2:01**
